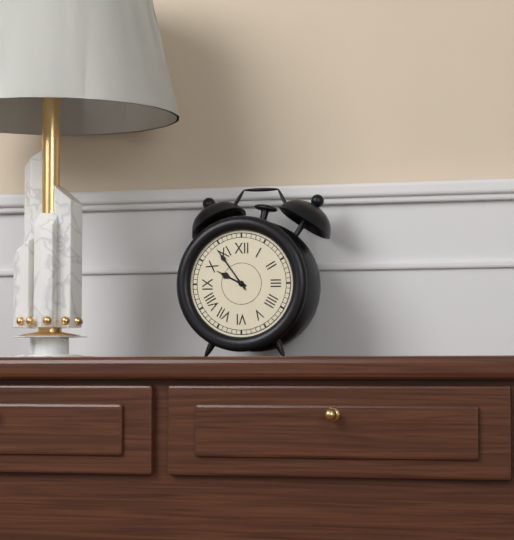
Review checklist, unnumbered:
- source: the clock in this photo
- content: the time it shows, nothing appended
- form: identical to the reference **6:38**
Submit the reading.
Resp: **9:54**
